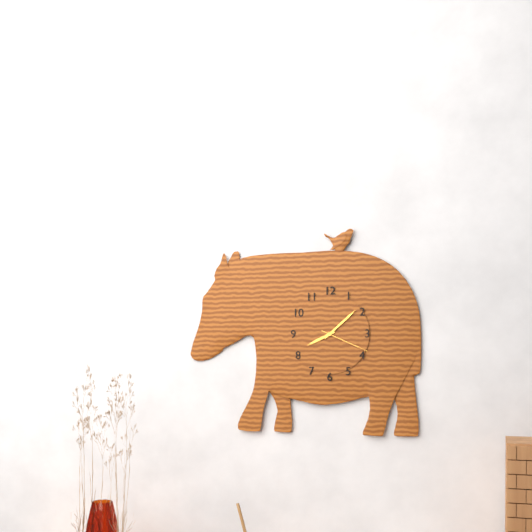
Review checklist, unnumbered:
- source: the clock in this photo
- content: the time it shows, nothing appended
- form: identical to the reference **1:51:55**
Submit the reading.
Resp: **8:08:19**
